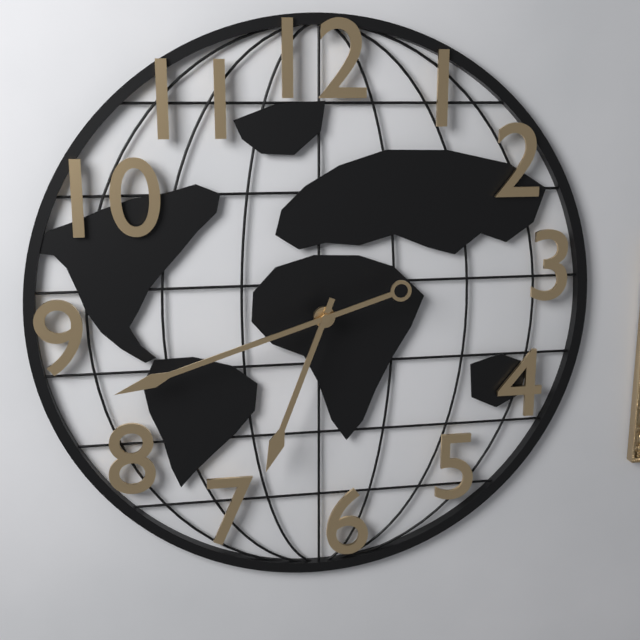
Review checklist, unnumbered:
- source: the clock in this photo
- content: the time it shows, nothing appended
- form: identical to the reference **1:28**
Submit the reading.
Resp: **6:42**
